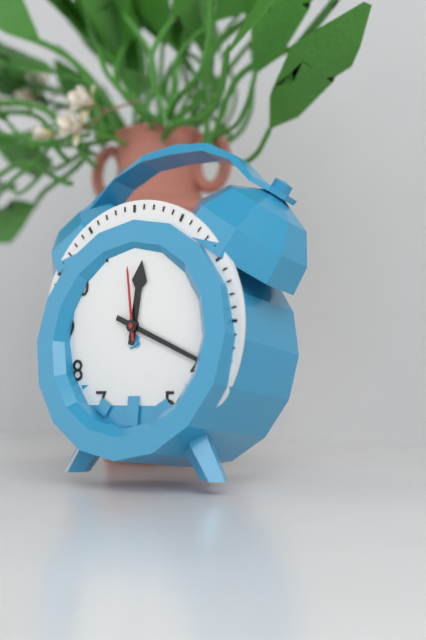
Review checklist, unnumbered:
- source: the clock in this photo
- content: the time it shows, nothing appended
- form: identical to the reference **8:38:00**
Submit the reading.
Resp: **12:19:59**
